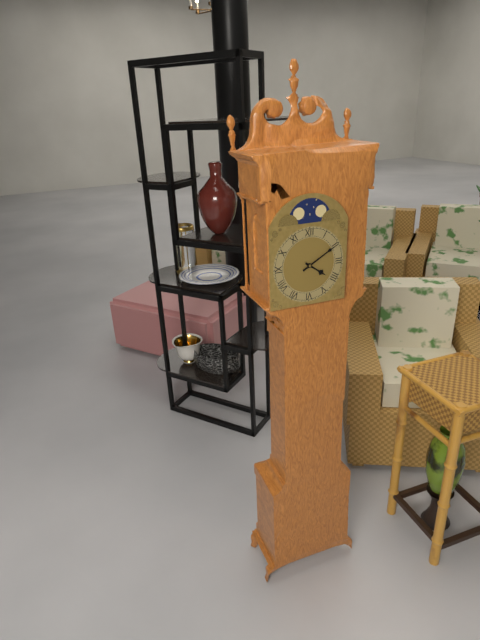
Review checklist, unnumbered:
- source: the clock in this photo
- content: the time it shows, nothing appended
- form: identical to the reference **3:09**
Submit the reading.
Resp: **4:10**
